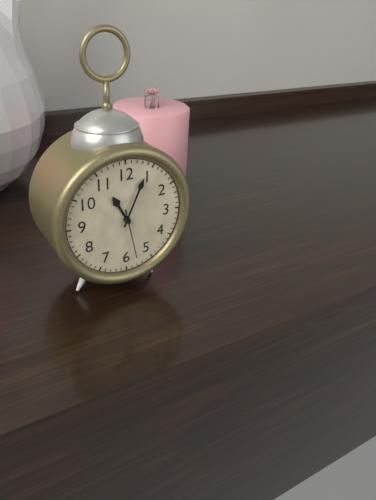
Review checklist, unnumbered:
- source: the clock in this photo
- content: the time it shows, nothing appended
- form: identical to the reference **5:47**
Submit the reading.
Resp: **11:04**
